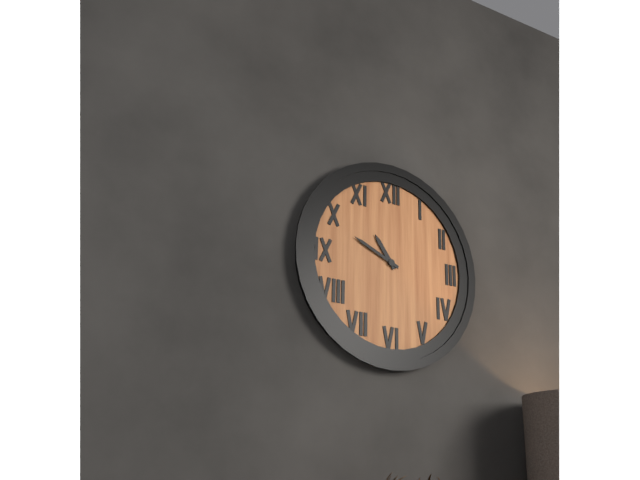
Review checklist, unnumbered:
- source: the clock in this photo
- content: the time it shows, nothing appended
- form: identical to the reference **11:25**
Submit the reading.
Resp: **10:49**
